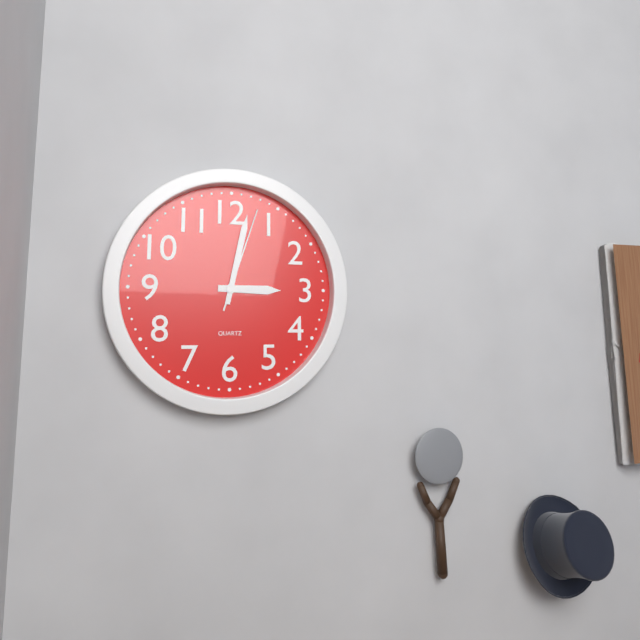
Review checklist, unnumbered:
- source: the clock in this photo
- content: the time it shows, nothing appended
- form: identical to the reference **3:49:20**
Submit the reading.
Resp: **3:02:03**
